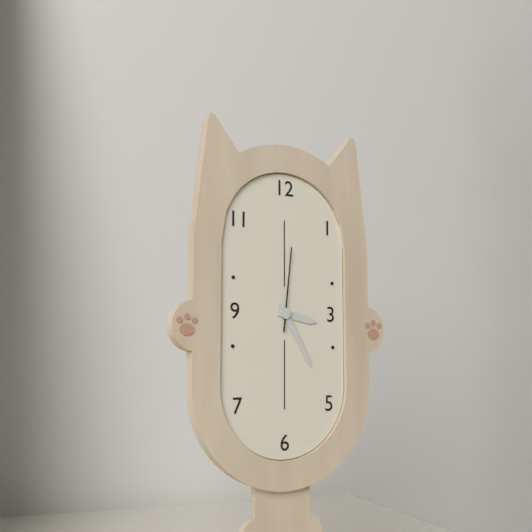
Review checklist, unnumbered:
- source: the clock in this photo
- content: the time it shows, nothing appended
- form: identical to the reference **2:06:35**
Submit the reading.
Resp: **3:25:01**
